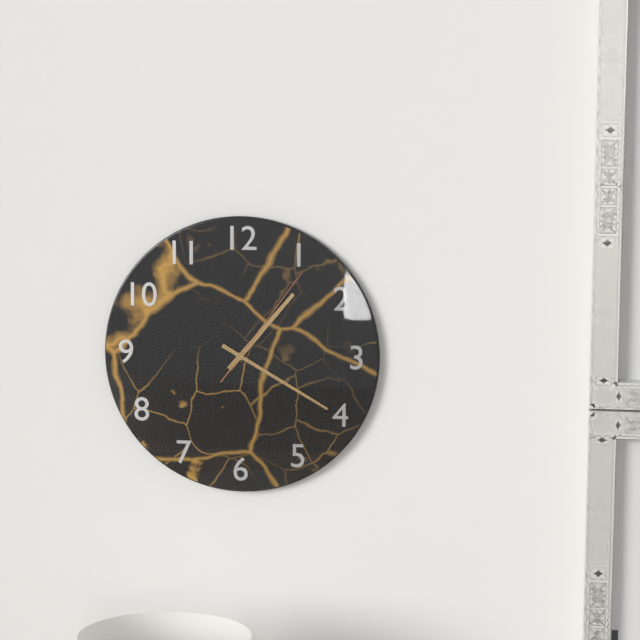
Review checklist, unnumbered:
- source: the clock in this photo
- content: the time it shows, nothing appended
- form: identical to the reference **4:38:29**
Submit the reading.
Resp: **1:20:06**
